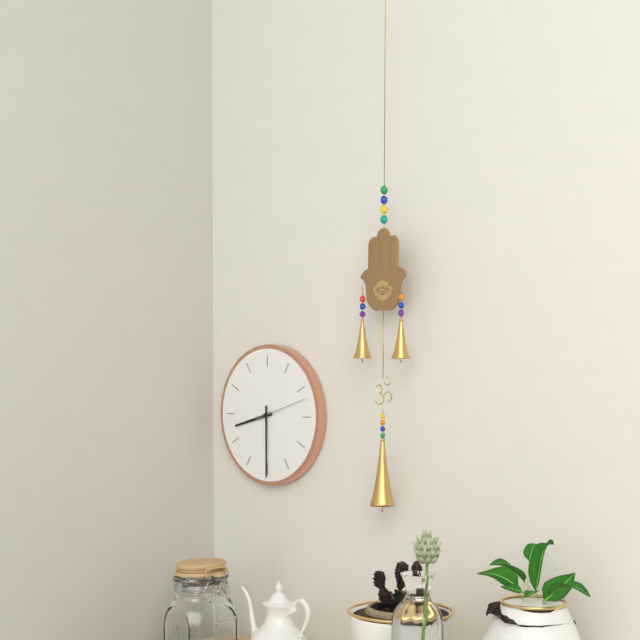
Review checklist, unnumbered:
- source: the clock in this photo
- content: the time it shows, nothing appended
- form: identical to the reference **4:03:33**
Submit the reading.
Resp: **8:30:12**
